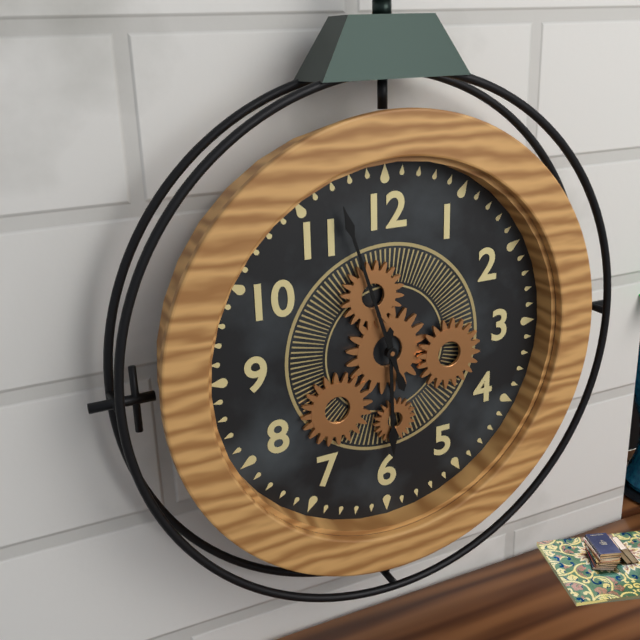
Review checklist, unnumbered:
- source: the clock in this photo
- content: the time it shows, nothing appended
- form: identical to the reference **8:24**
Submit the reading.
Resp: **5:57**
